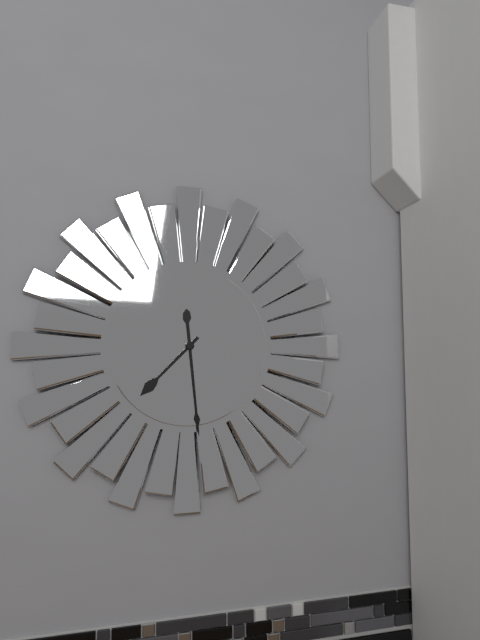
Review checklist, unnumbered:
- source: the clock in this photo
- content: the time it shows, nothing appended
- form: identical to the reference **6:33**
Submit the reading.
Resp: **7:29**
